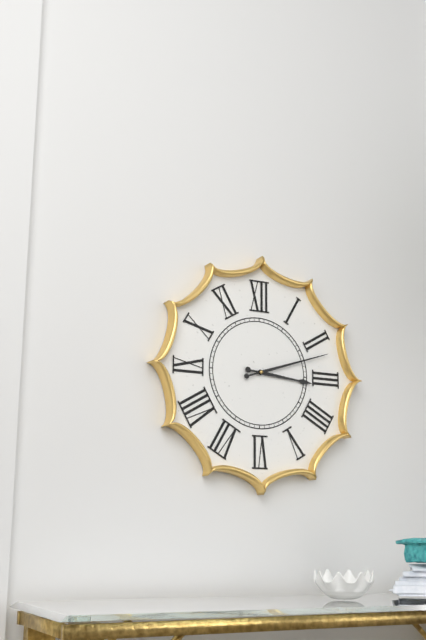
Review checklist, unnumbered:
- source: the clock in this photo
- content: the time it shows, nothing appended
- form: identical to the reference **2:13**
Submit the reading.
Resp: **3:12**
